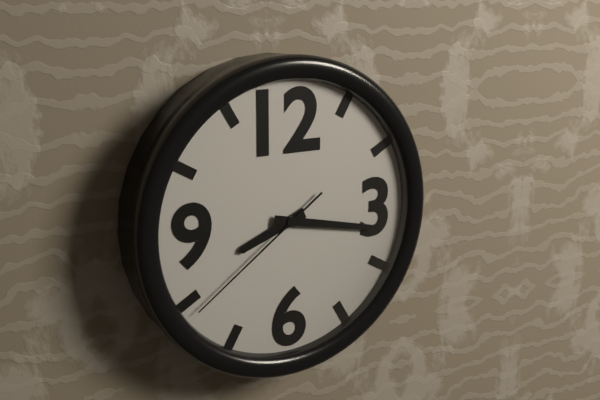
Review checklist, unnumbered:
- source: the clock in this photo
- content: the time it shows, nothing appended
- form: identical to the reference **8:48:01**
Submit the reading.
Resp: **8:17:39**
